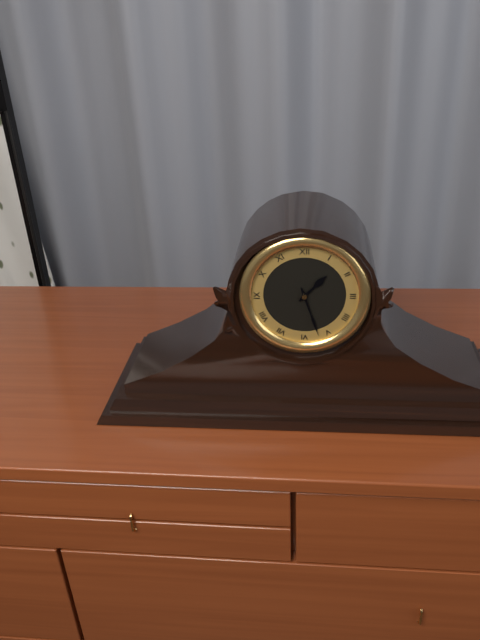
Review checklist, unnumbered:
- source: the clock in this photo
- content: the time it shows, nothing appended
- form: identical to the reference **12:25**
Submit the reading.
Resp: **1:27**
